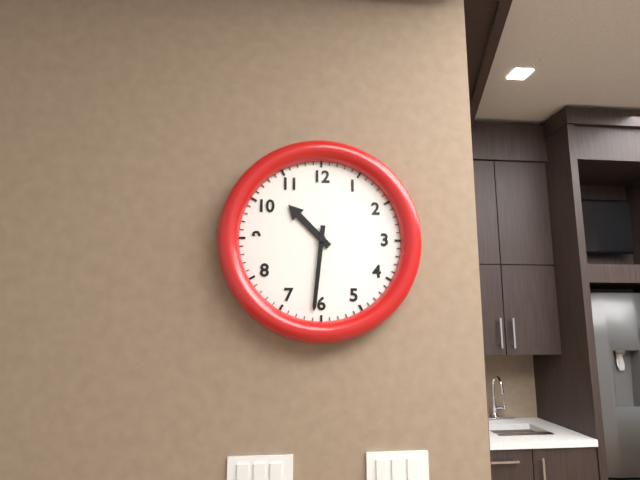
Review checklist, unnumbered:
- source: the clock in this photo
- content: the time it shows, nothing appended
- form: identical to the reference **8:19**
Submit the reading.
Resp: **10:31**
